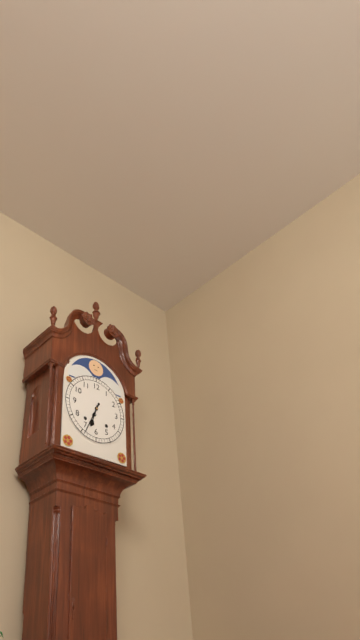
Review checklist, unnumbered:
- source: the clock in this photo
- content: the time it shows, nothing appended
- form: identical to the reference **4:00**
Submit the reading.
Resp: **6:34**
